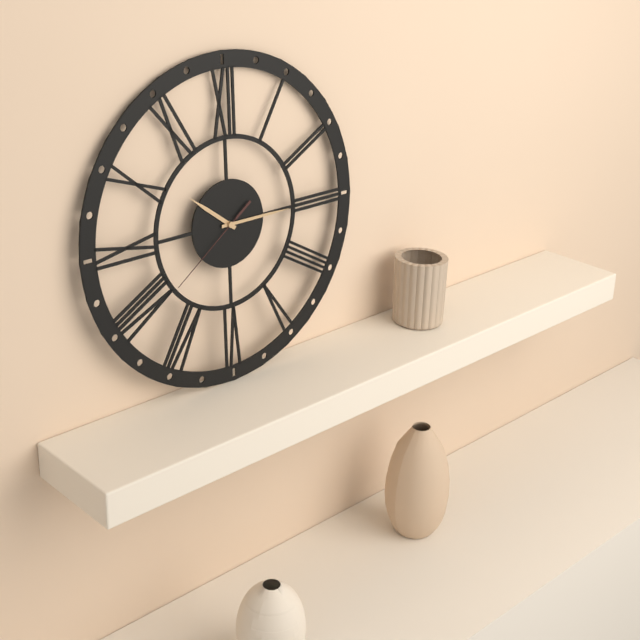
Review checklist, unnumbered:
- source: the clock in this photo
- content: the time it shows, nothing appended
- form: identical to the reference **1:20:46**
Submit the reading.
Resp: **10:15:39**
